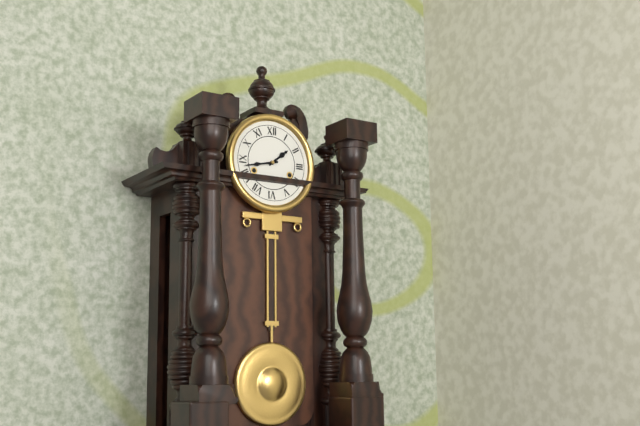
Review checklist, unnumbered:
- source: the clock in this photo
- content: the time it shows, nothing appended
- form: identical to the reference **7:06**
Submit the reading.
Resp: **1:43**
